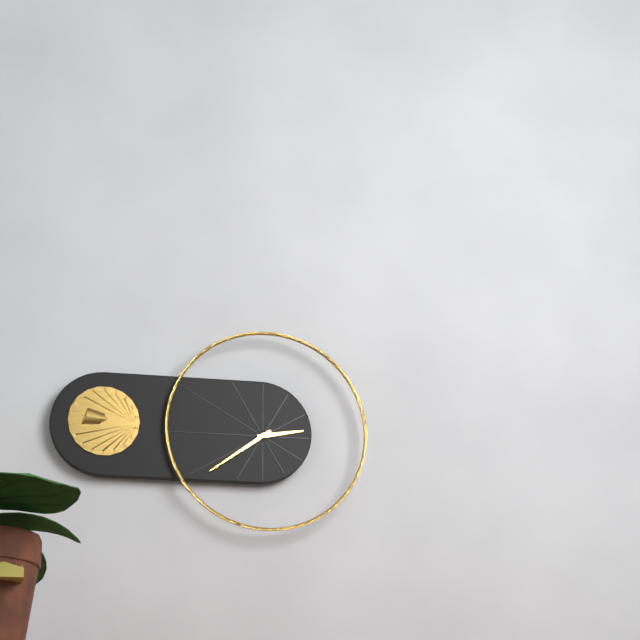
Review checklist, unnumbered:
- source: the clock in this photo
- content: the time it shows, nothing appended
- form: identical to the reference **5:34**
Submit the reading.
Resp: **2:39**
